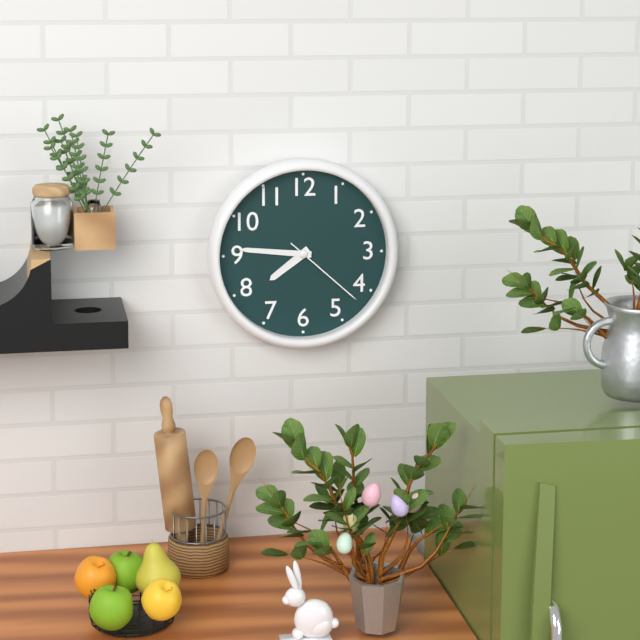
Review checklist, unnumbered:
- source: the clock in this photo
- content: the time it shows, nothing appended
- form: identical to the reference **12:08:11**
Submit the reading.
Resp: **7:46:22**
